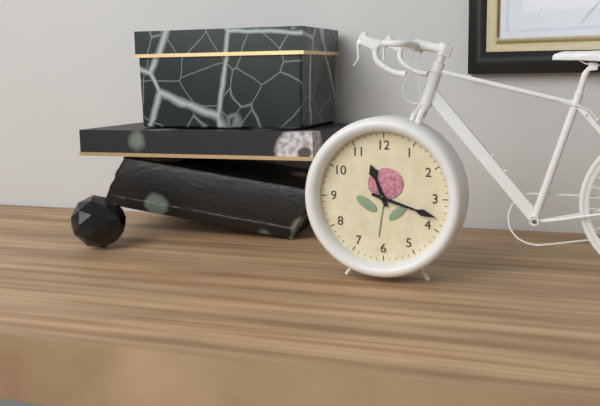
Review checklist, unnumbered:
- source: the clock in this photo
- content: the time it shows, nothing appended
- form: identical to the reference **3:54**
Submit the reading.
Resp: **11:18**
